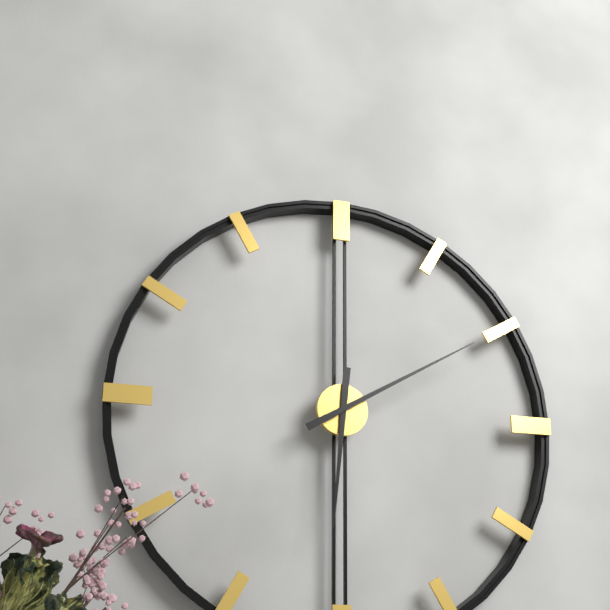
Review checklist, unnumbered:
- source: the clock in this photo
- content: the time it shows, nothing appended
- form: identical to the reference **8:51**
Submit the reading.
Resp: **6:10**
